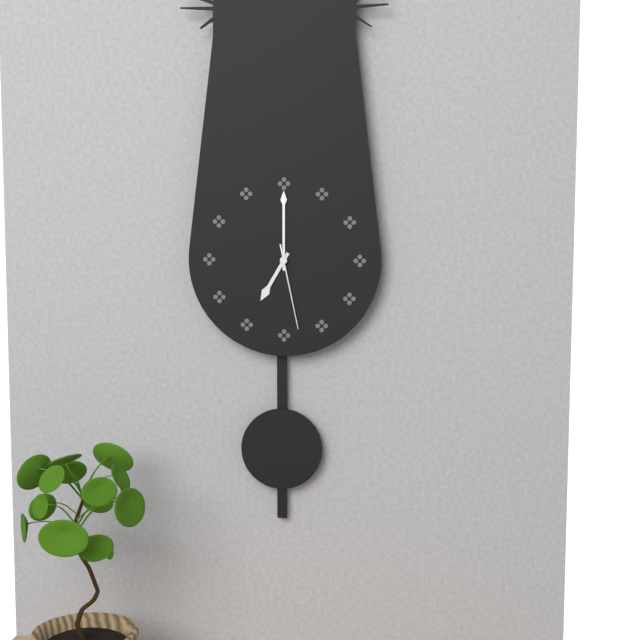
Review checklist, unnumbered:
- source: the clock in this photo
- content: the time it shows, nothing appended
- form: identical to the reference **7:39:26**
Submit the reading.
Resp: **7:00:28**
